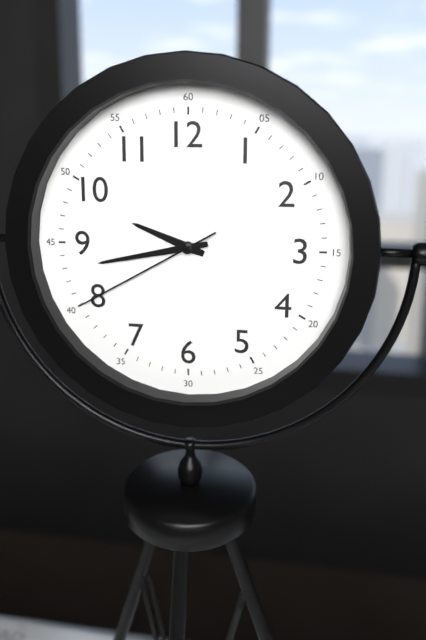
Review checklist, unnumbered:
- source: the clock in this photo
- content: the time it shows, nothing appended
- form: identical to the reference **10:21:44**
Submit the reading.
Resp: **9:43:40**
